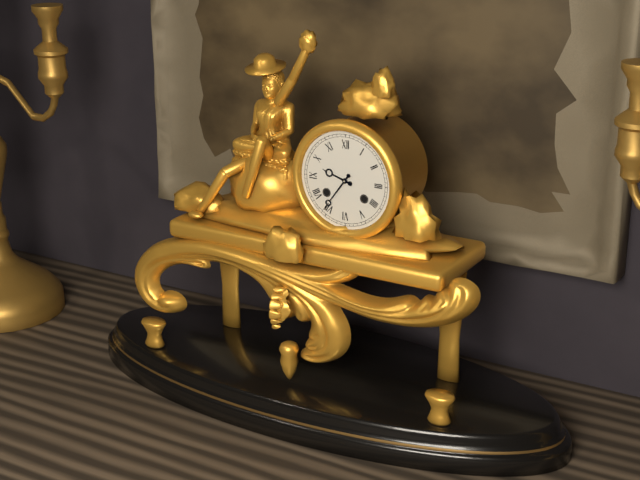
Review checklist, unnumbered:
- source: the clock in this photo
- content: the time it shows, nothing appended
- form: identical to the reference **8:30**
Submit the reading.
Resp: **9:36**
